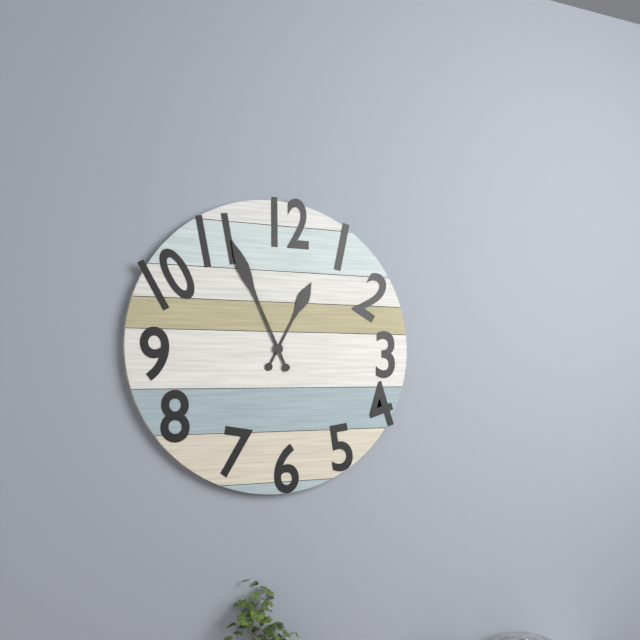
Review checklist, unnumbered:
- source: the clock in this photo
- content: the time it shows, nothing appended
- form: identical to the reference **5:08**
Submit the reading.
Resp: **12:56**
